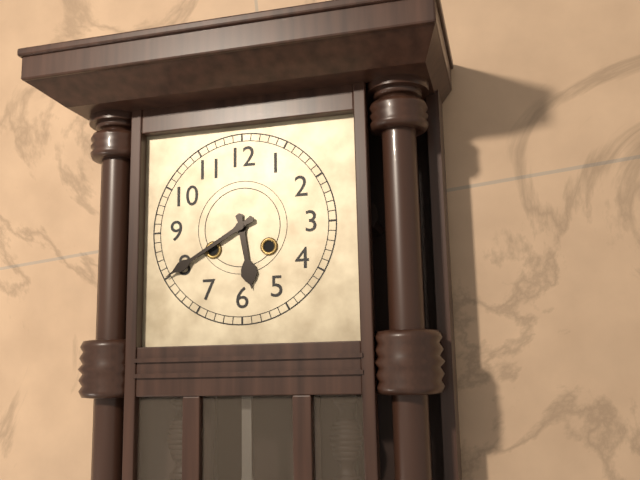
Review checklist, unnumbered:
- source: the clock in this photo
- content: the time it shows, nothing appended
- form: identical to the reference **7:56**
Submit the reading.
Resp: **5:40**
